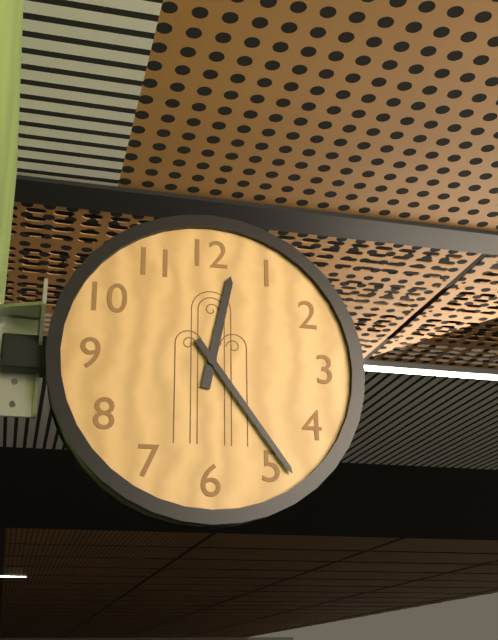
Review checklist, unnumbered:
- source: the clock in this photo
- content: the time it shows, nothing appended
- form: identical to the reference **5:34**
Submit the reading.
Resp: **12:24**
